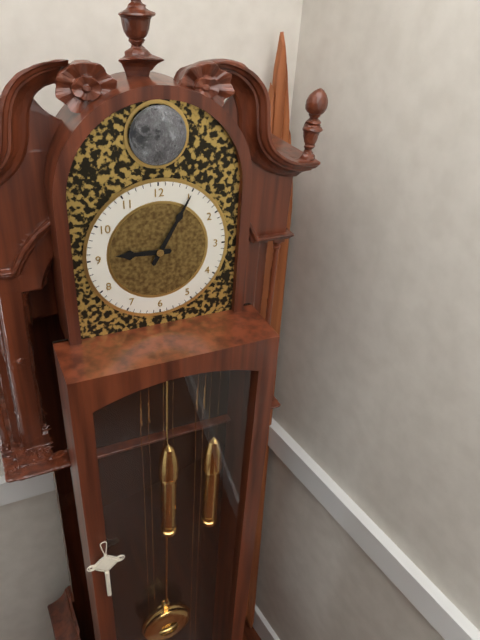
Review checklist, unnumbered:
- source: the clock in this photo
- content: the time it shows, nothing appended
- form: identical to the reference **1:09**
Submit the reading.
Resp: **9:05**
